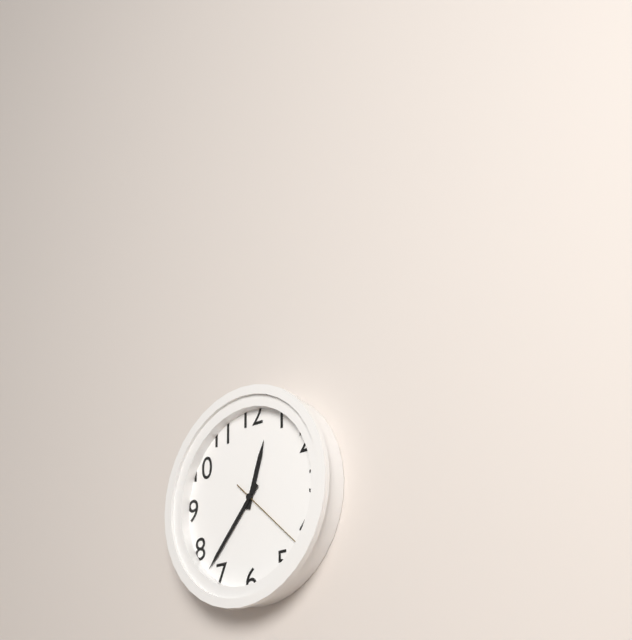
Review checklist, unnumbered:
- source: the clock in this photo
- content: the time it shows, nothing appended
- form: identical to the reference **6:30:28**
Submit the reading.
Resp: **12:37:22**
